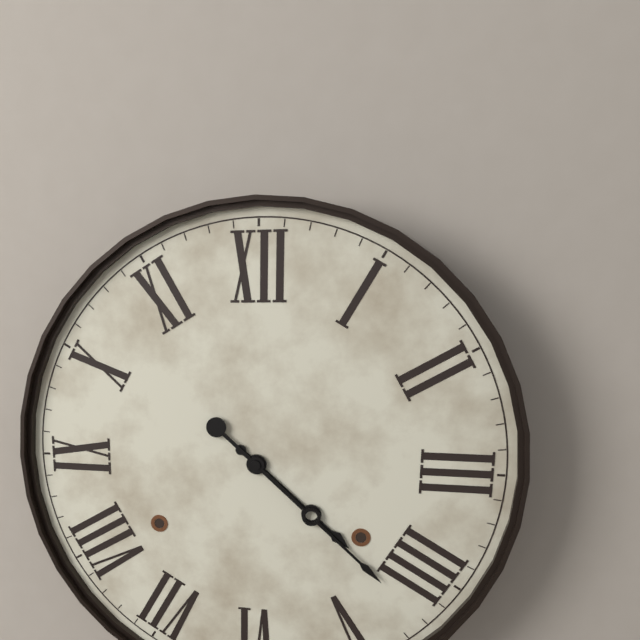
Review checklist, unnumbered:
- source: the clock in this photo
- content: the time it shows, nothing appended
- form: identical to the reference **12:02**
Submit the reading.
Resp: **4:22**
